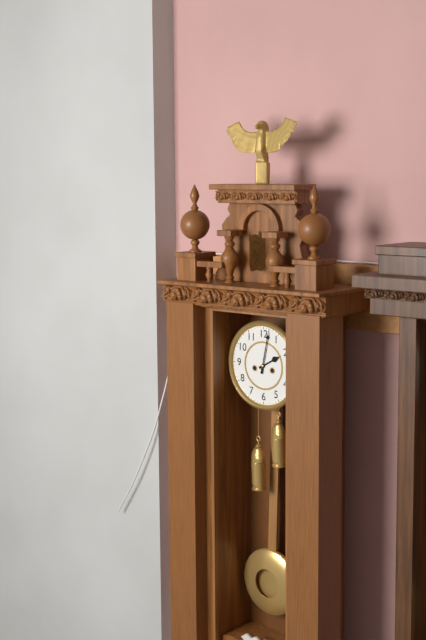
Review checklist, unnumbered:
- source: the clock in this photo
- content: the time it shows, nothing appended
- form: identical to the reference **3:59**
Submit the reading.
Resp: **2:02**
